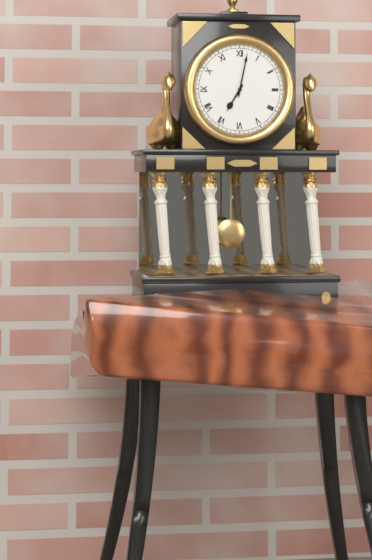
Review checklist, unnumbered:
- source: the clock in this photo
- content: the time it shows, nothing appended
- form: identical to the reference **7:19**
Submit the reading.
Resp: **7:02**
